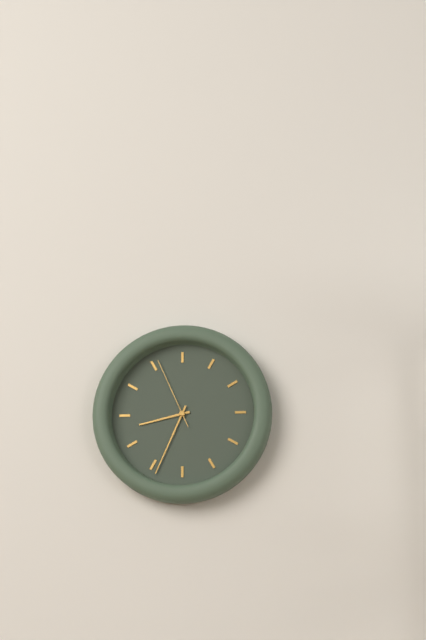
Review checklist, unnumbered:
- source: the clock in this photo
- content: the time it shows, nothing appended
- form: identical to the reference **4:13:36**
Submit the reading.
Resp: **8:34:56**
